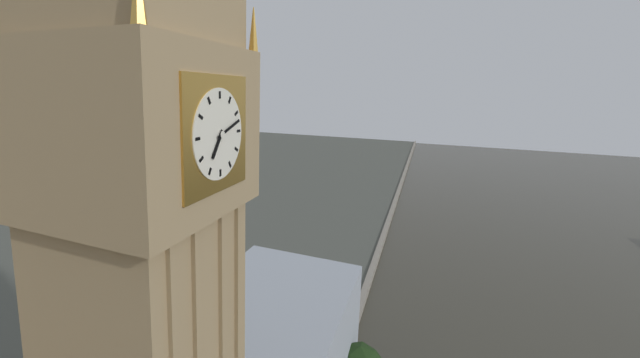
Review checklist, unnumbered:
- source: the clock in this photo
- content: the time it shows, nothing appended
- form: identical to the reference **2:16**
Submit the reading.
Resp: **7:12**
